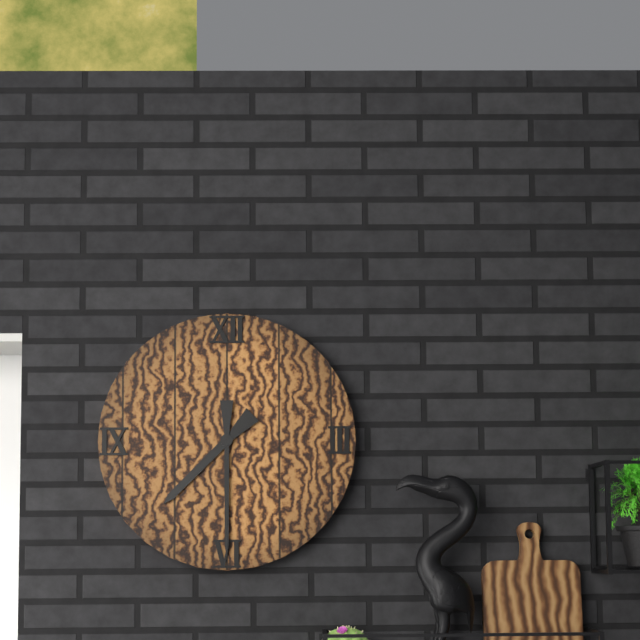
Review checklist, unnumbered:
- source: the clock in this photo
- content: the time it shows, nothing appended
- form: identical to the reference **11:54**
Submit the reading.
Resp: **7:30**
